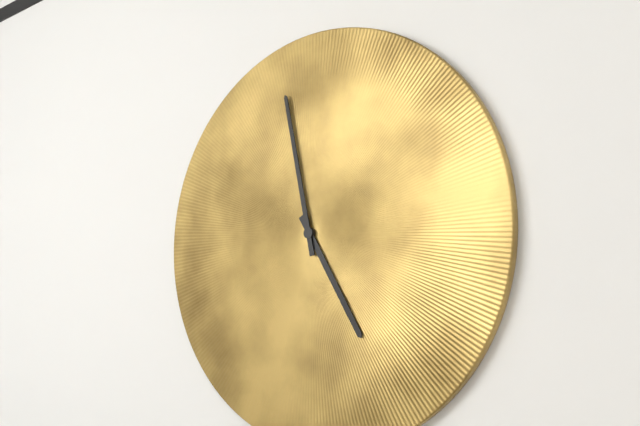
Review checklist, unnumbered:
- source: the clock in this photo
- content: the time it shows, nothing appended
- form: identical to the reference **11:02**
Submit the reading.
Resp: **4:58**
